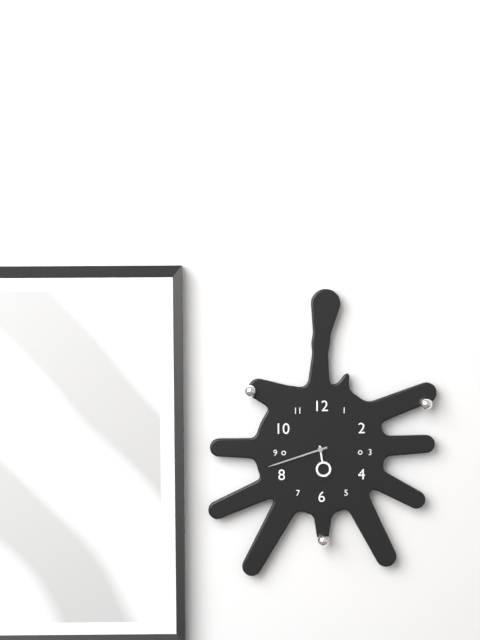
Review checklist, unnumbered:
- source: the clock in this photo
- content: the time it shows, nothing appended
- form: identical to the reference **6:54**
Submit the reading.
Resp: **5:42**
